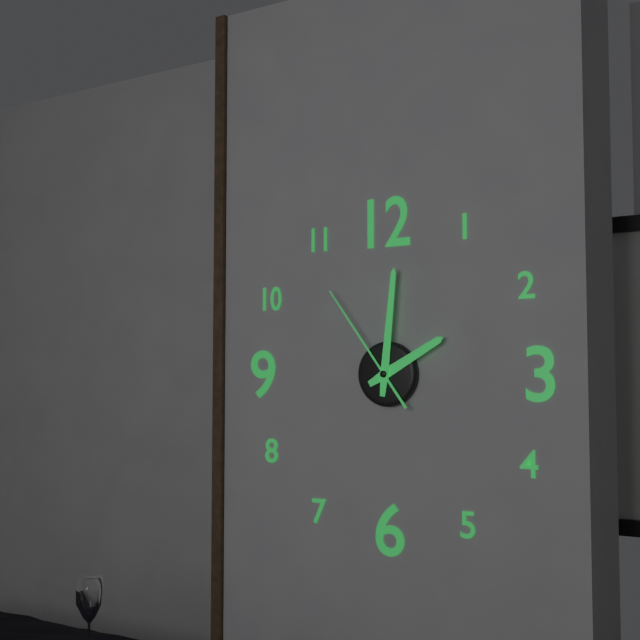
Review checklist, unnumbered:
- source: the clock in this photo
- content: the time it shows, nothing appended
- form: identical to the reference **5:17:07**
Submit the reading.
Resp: **2:01:54**
